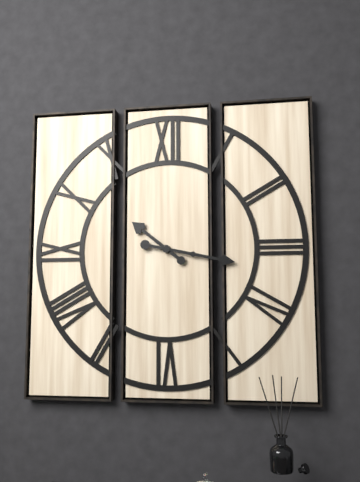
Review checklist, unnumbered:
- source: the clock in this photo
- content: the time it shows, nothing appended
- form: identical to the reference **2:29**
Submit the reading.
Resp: **10:17**
